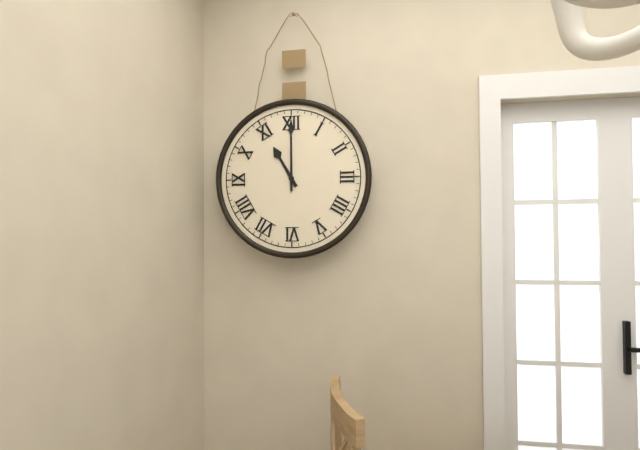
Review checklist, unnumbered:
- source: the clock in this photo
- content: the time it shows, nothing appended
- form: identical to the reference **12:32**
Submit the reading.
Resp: **11:00**
